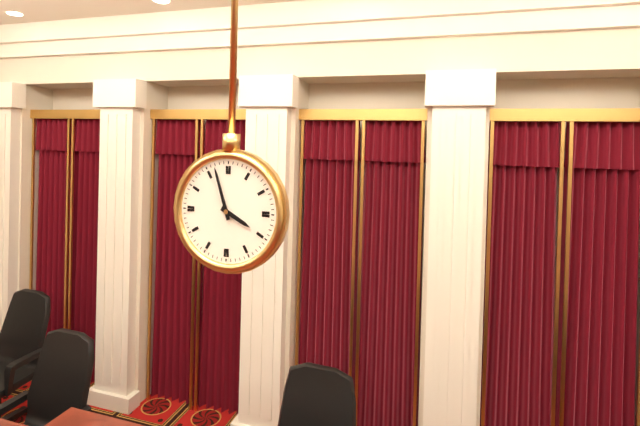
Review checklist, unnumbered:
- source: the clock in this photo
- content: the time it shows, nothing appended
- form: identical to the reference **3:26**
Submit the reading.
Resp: **3:57**
